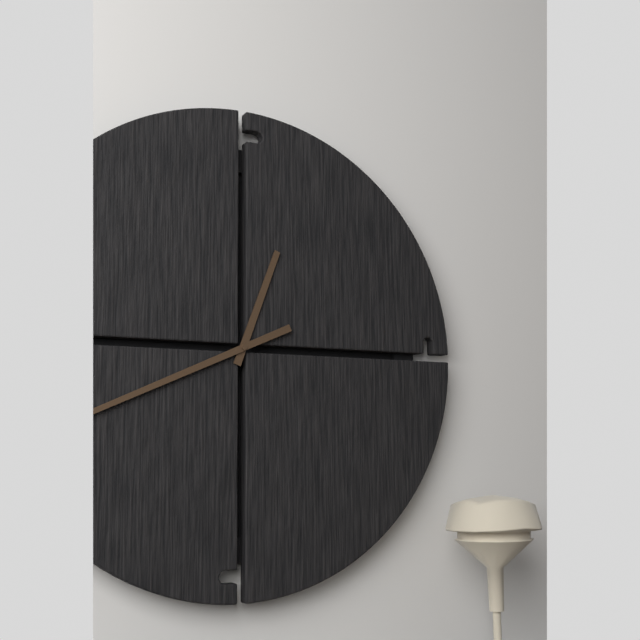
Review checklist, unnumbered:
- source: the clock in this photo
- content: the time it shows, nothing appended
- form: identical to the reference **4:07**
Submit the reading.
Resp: **12:41**
